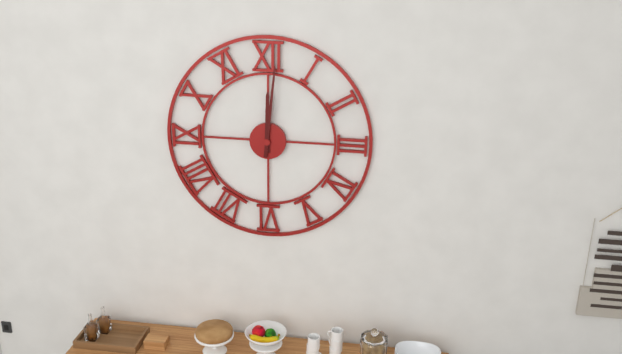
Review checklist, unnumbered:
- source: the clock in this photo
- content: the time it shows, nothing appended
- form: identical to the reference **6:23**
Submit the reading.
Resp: **12:01**
